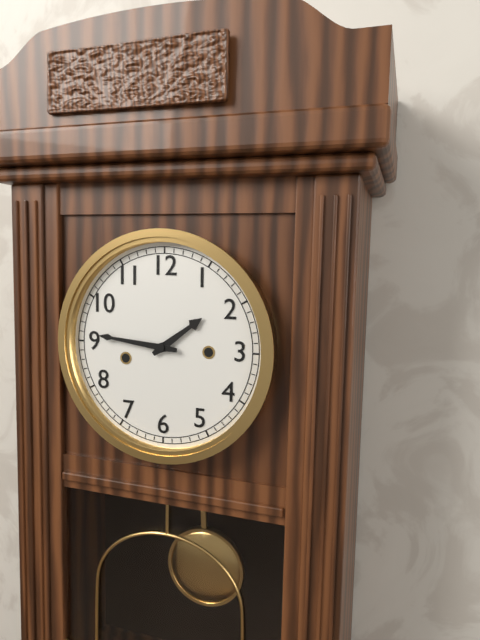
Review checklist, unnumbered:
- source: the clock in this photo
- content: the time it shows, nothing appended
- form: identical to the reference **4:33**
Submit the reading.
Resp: **1:46**
